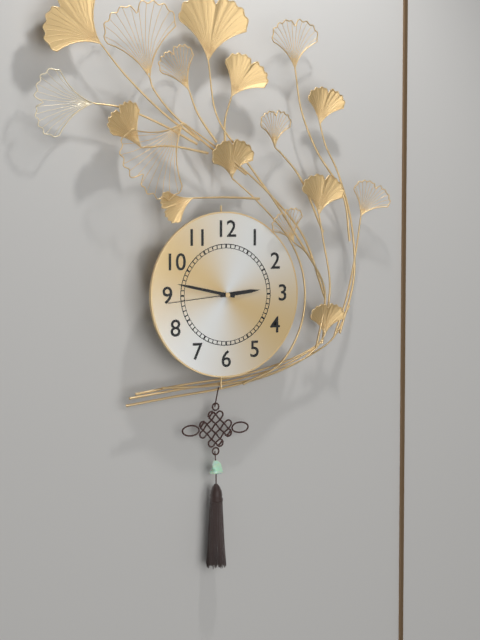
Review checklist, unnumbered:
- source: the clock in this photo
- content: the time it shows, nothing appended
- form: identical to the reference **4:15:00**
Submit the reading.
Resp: **2:47:44**
